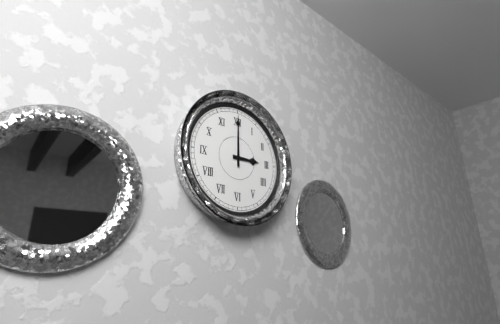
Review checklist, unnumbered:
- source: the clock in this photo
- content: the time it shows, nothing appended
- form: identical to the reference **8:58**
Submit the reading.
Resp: **3:00**
